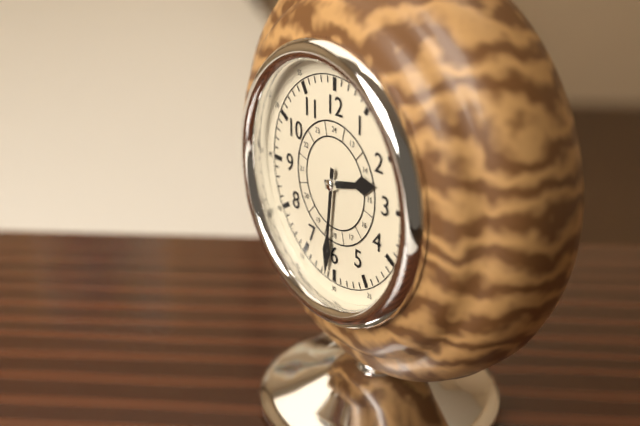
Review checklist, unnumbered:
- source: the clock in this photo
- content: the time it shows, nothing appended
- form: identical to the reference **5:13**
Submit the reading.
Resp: **2:31**
